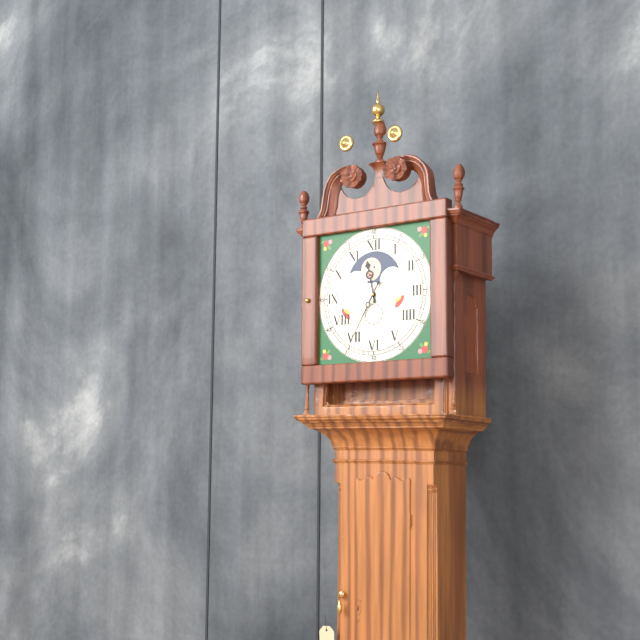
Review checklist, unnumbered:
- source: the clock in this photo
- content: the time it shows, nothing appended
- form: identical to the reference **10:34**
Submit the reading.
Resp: **11:35**
